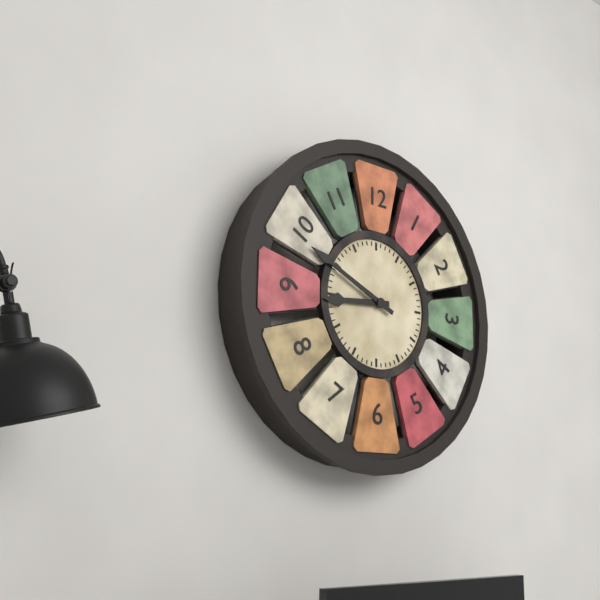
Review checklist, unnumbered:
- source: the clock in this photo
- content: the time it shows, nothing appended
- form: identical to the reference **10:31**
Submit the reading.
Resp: **8:49**
